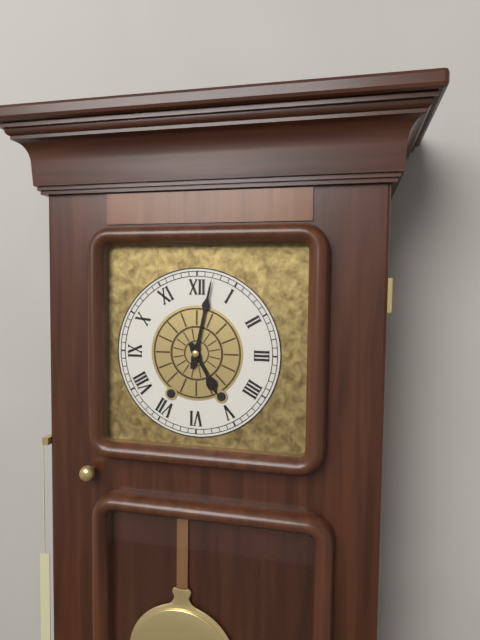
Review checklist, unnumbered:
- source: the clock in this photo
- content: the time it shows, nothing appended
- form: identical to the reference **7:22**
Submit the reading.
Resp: **5:02**
